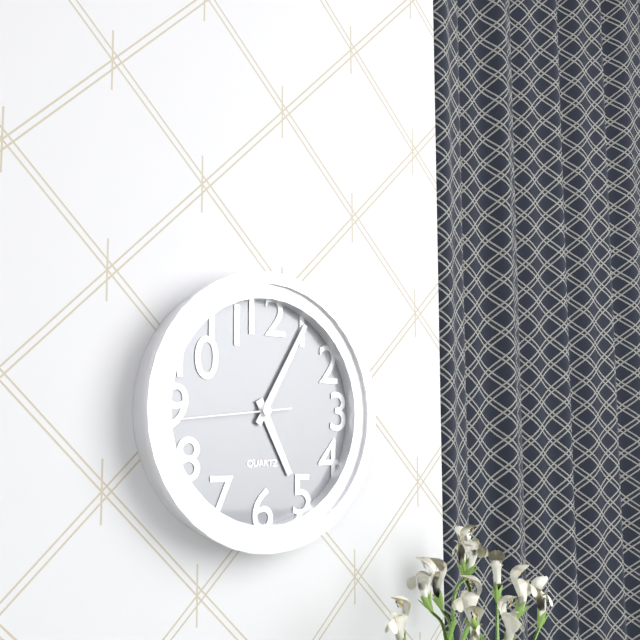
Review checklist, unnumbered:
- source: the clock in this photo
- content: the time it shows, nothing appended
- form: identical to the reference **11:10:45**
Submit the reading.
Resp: **5:05:44**
